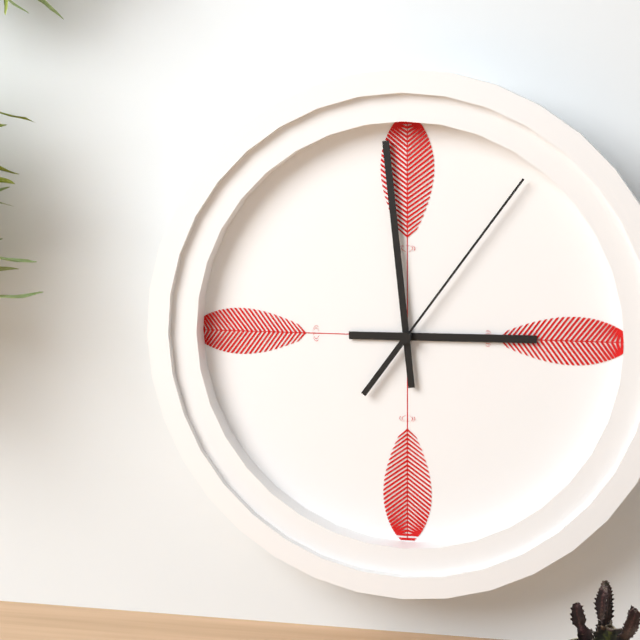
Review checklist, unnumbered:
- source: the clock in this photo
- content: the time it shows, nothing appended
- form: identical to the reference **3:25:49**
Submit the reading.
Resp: **2:59:06**
